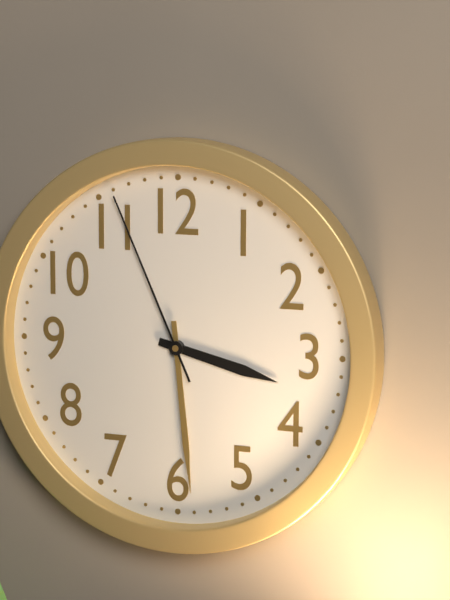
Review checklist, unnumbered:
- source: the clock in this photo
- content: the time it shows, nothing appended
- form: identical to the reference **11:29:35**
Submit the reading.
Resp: **3:29:56**
